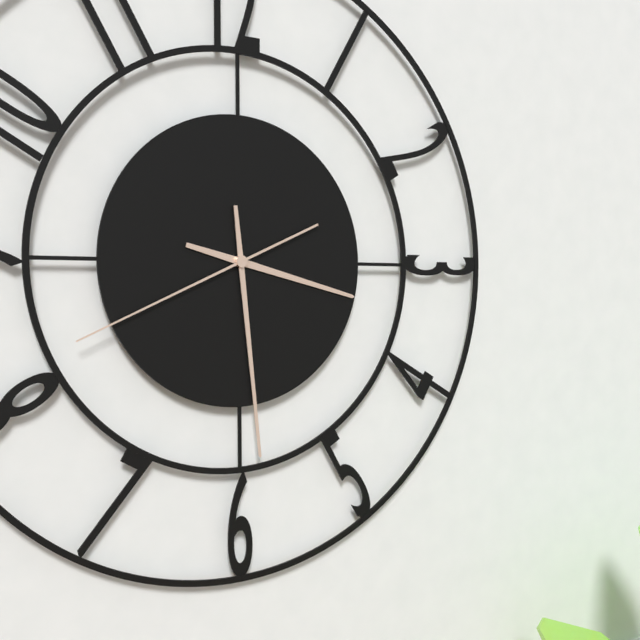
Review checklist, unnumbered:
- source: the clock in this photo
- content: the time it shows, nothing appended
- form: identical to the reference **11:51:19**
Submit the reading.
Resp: **3:29:41**
